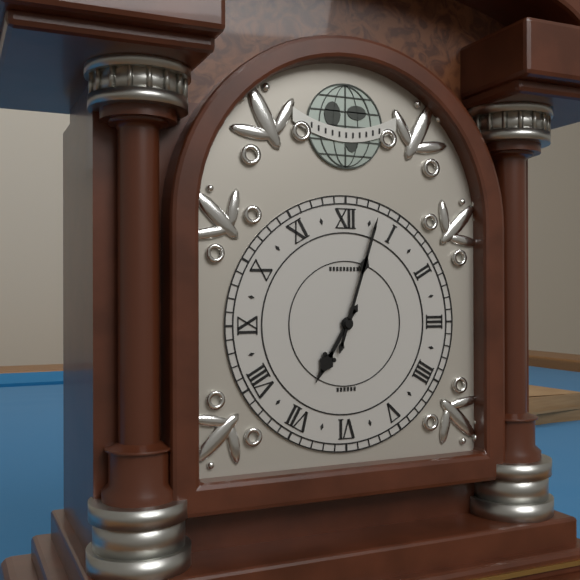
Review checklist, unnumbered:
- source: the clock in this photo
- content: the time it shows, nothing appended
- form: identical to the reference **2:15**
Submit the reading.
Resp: **7:03**
